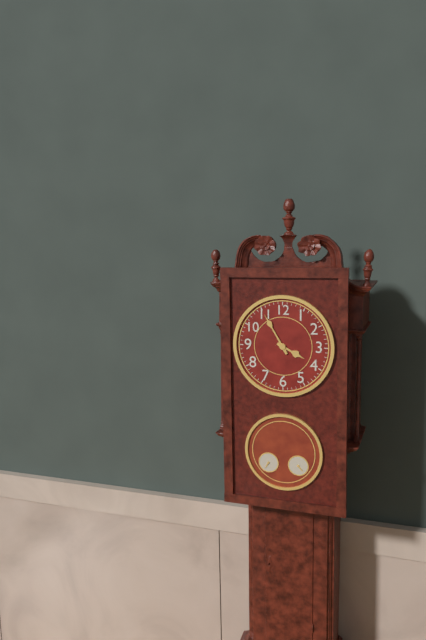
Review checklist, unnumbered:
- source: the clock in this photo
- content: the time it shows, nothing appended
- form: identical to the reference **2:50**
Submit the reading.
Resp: **3:55**
